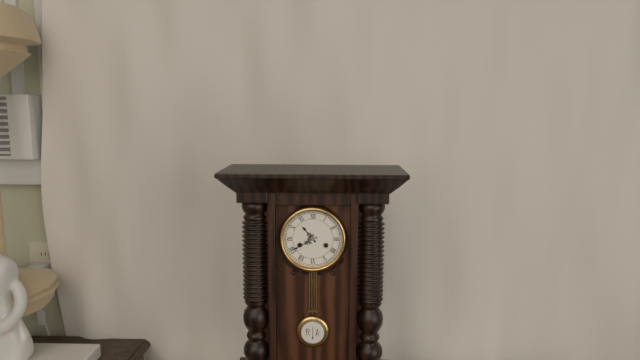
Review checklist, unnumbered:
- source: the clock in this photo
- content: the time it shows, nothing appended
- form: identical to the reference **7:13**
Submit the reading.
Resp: **10:40**
